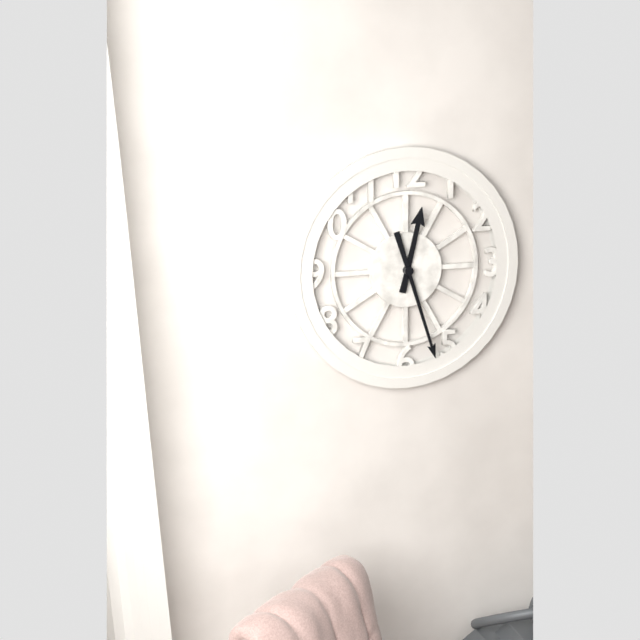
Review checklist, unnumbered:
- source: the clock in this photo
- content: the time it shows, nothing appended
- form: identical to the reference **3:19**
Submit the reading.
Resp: **12:27**
